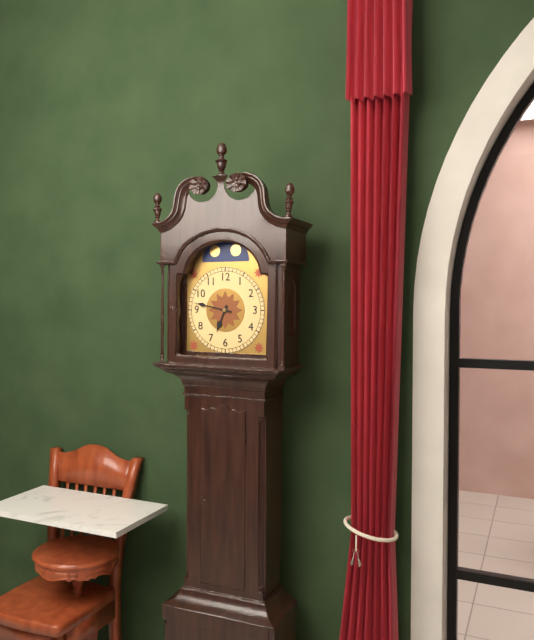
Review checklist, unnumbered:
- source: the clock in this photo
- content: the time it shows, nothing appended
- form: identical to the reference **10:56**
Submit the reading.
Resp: **6:47**
